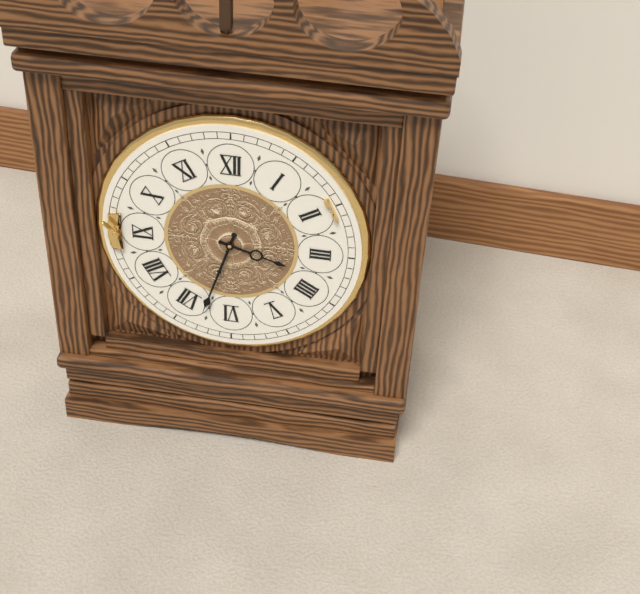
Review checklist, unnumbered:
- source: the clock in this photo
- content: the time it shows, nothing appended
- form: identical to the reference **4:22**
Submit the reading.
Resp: **3:33**
